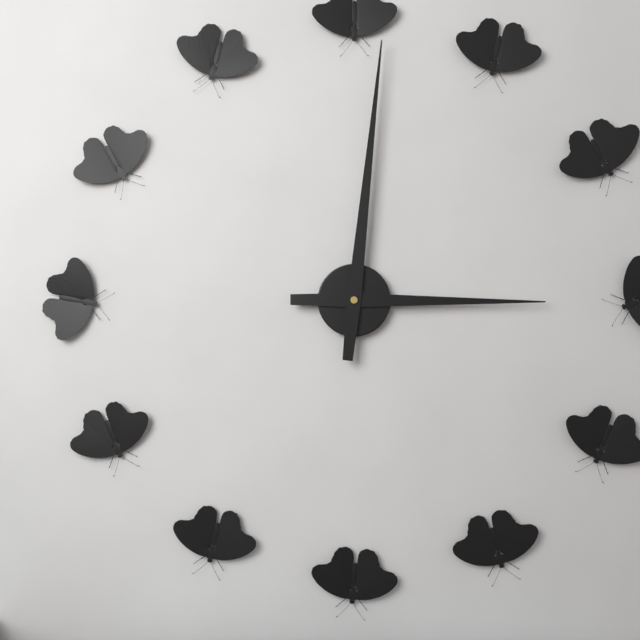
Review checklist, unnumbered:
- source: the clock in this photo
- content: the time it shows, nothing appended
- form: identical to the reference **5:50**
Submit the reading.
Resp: **3:01**
